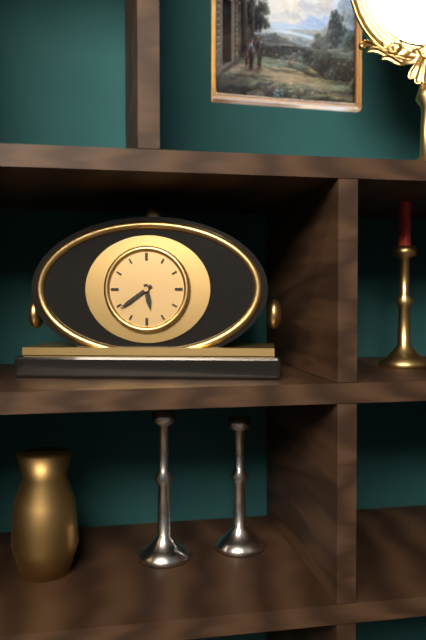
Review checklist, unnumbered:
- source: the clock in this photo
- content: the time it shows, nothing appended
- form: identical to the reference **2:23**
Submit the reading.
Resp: **5:39**
